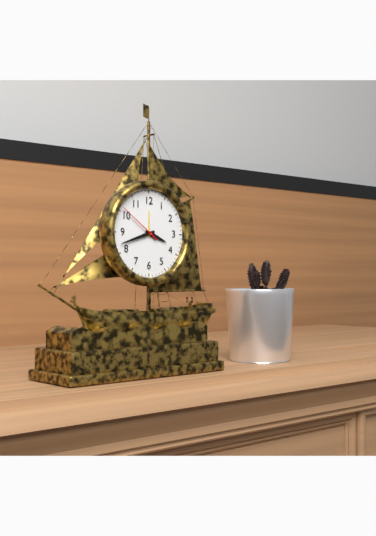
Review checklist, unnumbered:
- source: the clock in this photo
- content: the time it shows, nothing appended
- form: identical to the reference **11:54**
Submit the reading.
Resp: **3:42**
